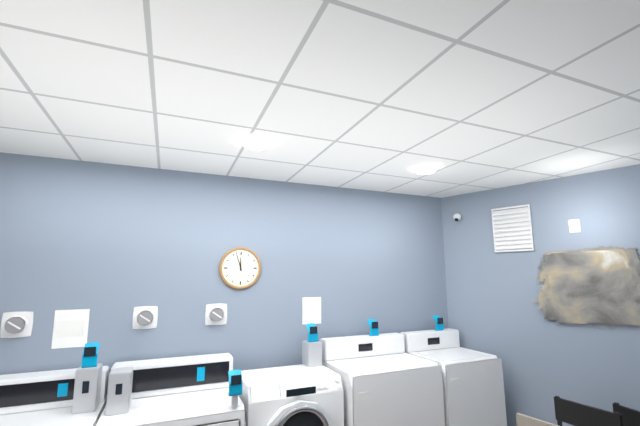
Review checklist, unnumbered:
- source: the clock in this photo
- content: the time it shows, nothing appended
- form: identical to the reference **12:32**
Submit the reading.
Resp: **11:57**
